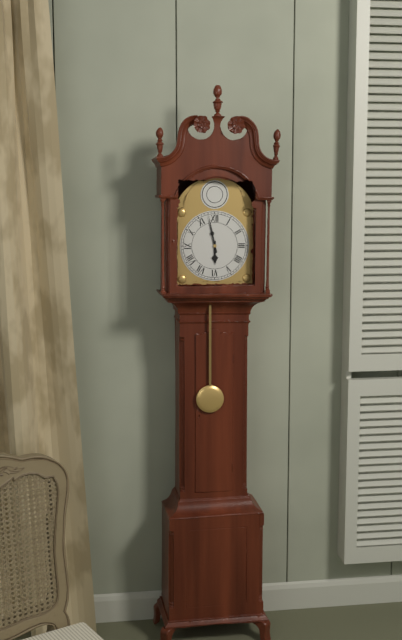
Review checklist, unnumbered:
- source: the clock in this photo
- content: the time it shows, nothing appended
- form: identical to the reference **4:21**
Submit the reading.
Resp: **5:58**
